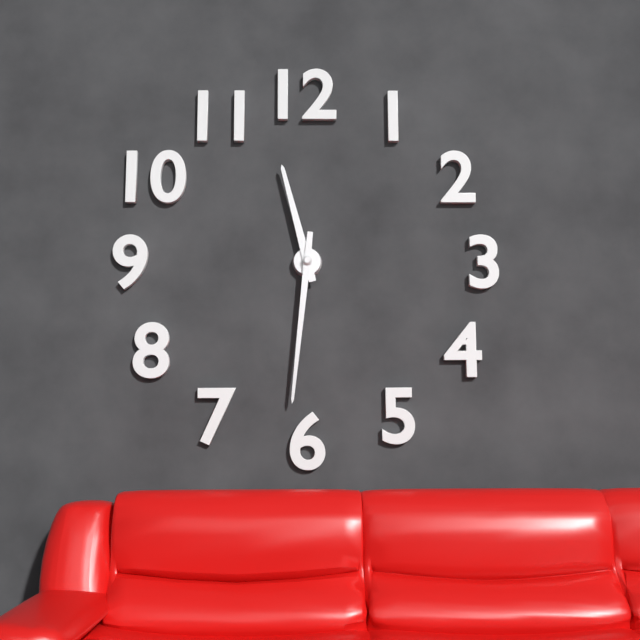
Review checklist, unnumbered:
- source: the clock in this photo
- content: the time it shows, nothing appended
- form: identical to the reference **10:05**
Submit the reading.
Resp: **11:31**
